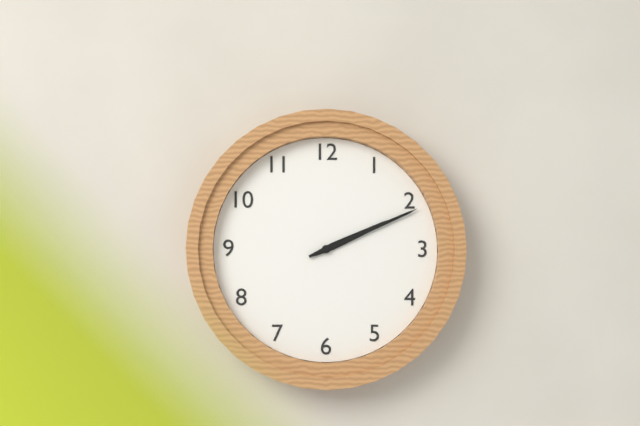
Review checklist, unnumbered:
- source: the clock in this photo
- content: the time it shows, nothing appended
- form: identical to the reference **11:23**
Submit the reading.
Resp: **2:11**
